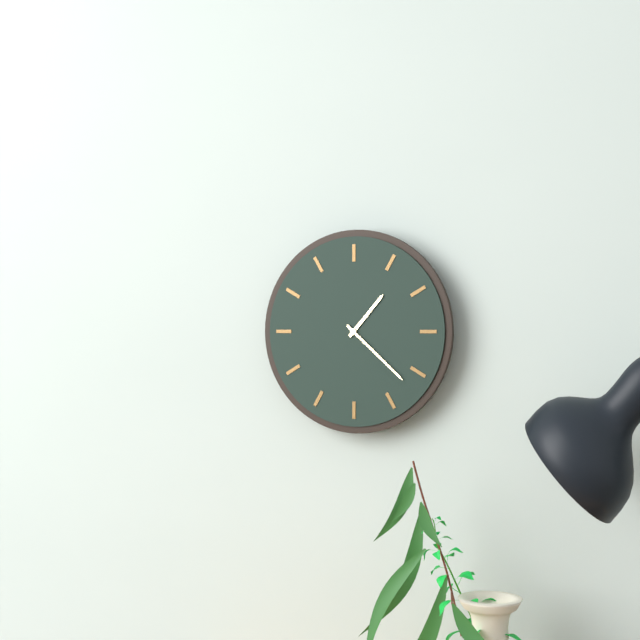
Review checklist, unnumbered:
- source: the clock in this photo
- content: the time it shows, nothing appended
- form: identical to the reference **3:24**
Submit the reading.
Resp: **1:22**
